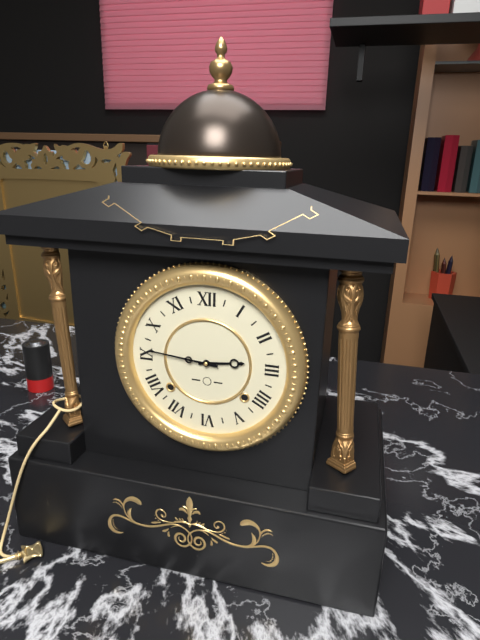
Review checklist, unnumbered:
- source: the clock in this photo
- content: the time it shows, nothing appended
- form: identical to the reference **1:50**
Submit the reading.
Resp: **2:46**
